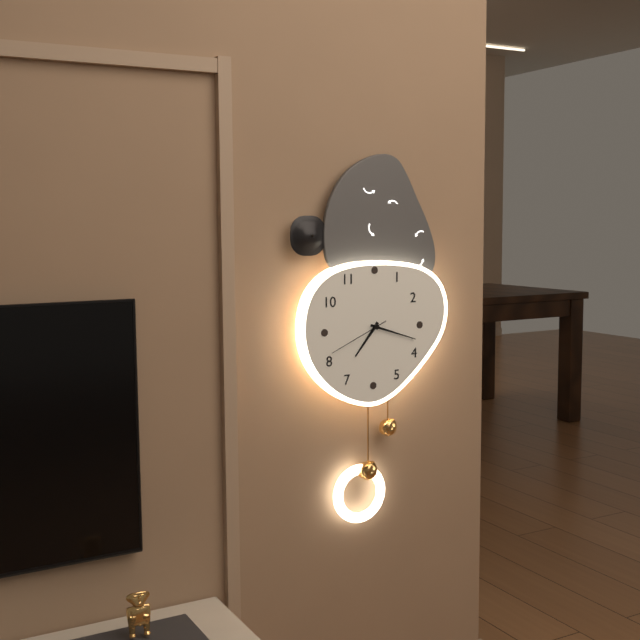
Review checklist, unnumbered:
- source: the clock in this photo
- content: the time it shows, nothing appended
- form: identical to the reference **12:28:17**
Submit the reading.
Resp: **7:18:41**
